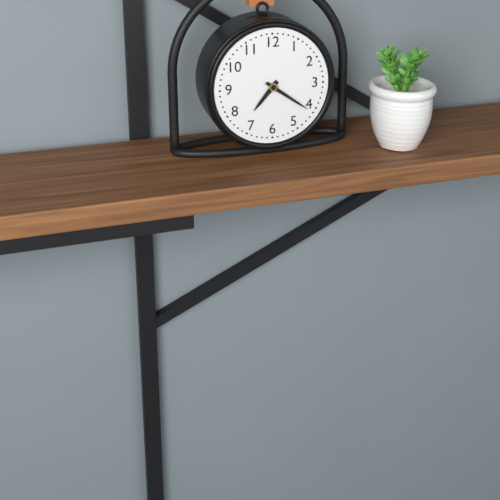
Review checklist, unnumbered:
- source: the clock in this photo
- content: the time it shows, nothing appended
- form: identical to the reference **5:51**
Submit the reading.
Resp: **7:21**
